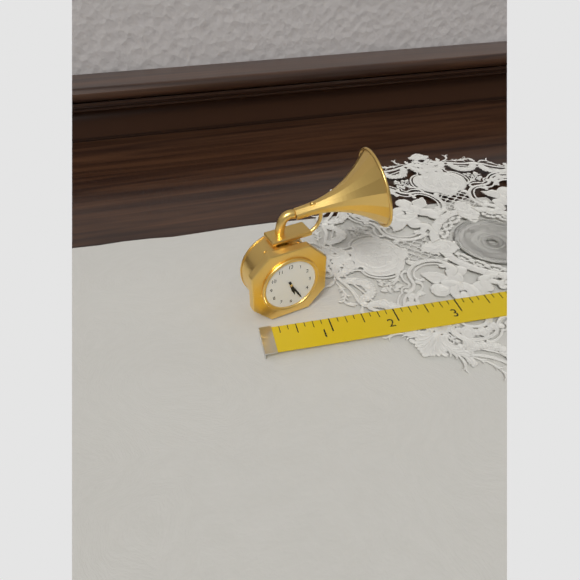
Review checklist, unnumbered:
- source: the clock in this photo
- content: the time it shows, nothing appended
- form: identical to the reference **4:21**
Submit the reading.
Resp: **5:25**
